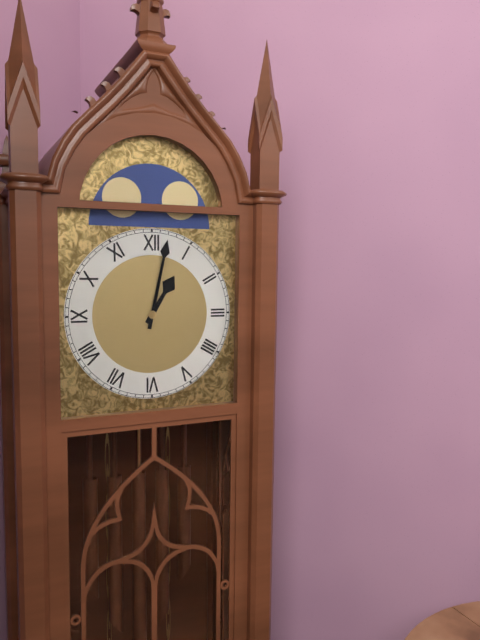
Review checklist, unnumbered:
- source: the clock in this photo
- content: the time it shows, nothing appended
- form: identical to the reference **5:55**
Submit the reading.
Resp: **1:02**
